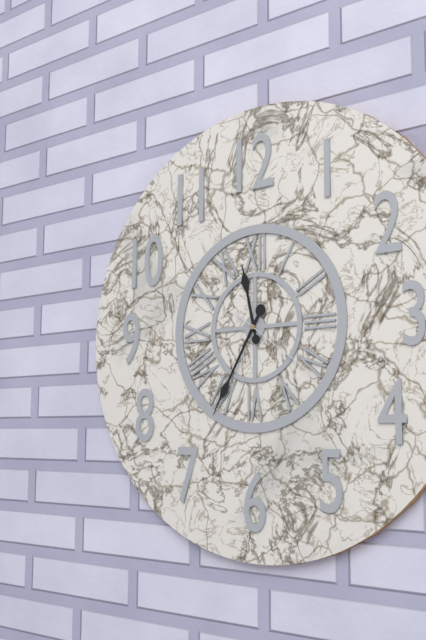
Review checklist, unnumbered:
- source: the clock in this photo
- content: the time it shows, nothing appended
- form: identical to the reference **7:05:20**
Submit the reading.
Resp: **11:35:21**
